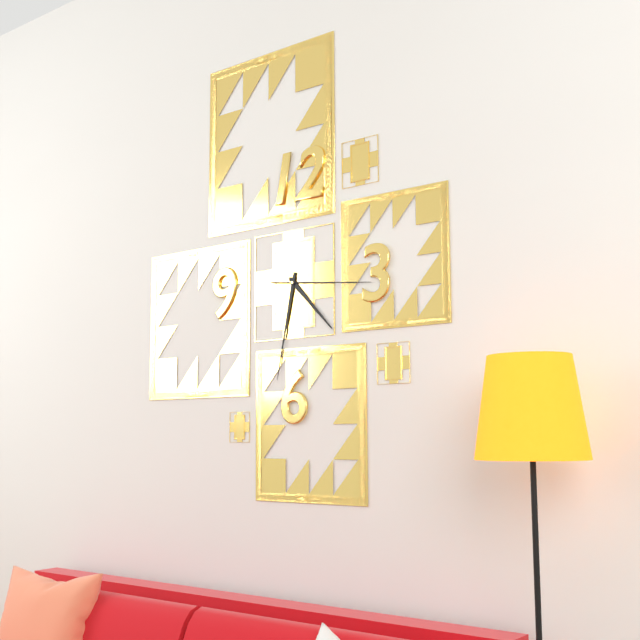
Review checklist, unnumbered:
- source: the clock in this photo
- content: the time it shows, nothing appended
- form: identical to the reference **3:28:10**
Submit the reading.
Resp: **4:32:16**
